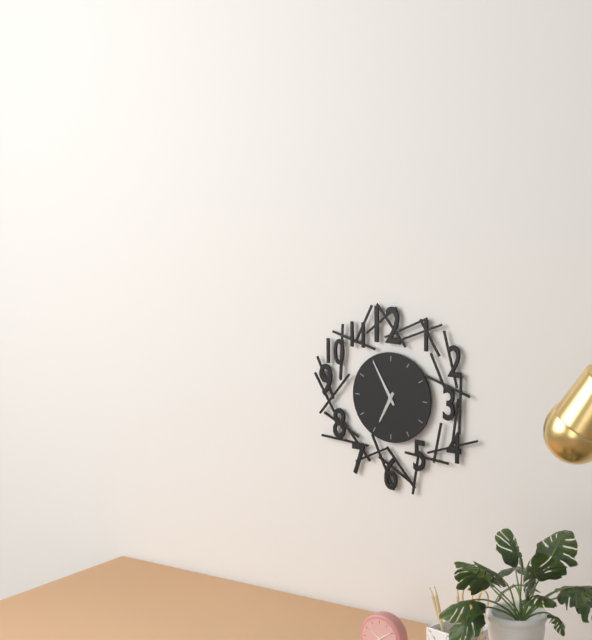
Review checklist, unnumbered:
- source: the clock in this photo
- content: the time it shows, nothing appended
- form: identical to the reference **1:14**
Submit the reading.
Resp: **6:55**
